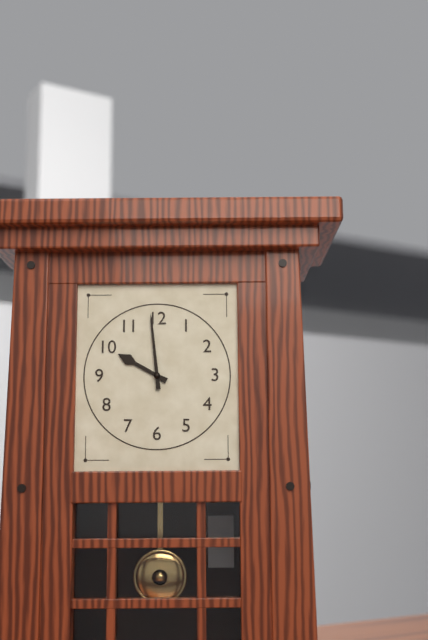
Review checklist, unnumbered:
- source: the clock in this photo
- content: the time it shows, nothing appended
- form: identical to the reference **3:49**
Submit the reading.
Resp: **9:59**
